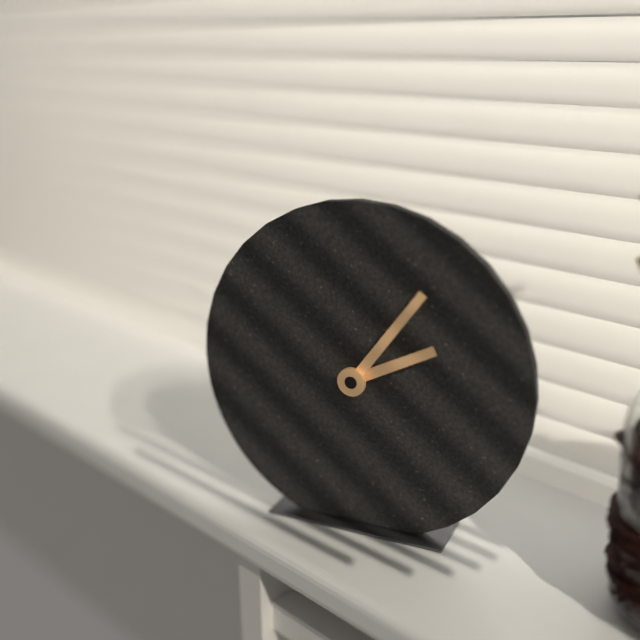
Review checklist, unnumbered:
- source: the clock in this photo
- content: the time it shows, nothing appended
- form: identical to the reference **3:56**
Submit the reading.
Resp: **2:06**
